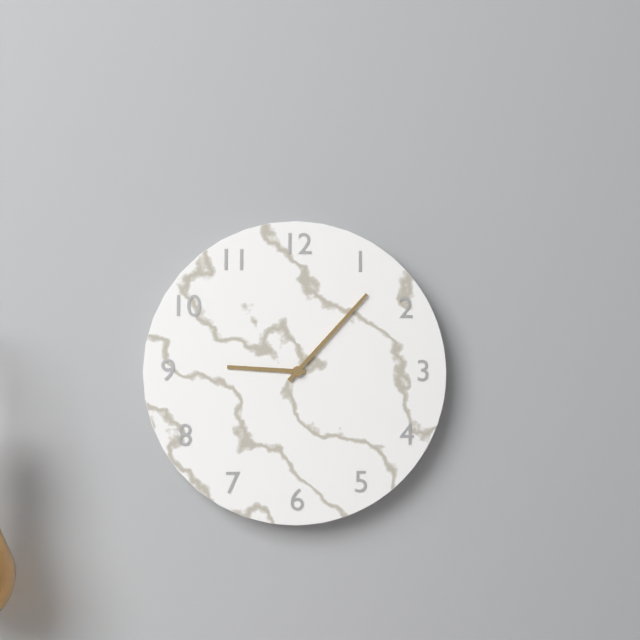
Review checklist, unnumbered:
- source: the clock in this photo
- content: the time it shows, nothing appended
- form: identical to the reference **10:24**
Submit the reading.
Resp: **9:07**
